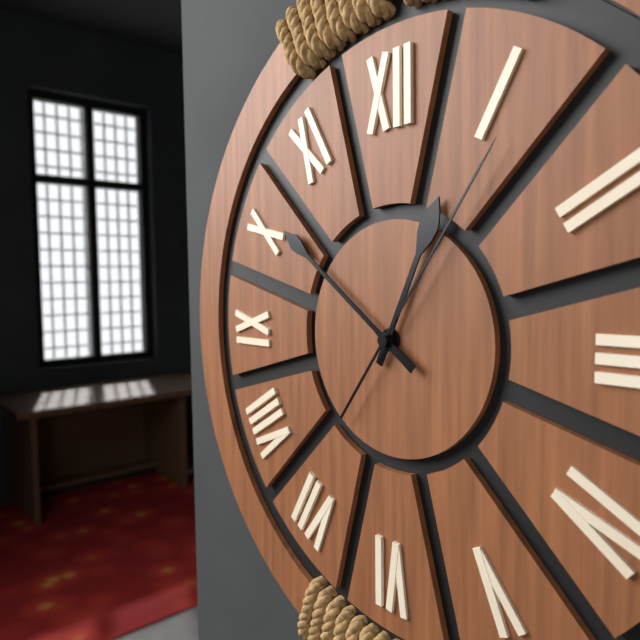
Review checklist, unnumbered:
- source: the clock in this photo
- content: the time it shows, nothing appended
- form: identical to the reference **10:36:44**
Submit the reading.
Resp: **12:51:06**
